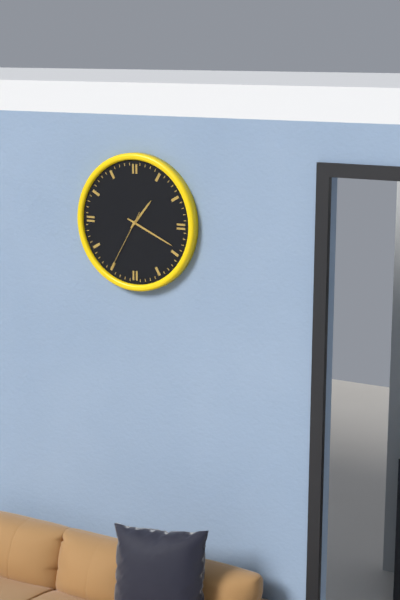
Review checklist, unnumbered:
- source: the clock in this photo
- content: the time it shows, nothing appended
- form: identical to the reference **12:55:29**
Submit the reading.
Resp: **1:19:35**
